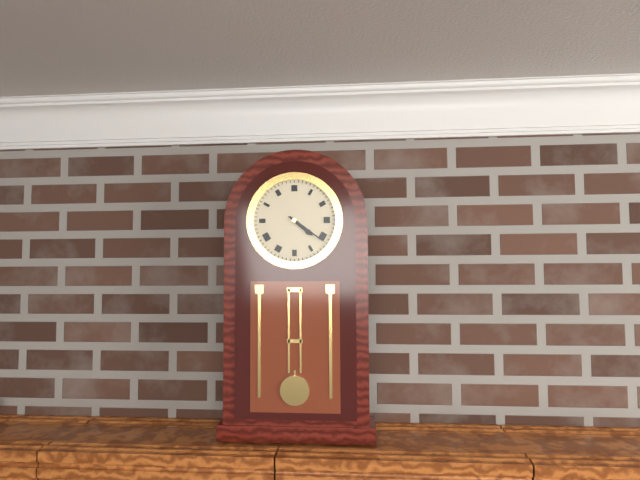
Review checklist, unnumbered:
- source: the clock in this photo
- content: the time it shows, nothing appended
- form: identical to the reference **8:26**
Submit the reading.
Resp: **4:21**
